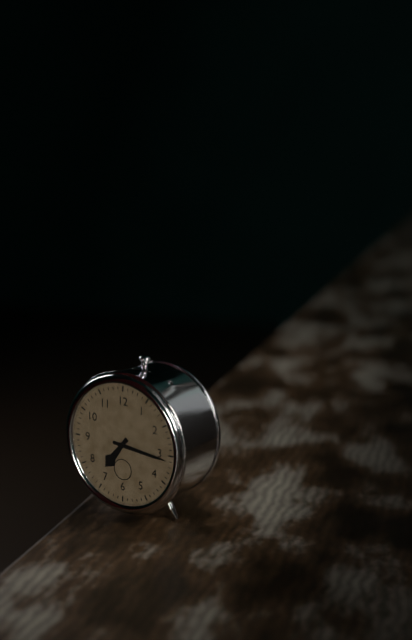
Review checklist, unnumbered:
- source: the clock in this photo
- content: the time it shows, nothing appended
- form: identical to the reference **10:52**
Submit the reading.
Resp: **7:16**
